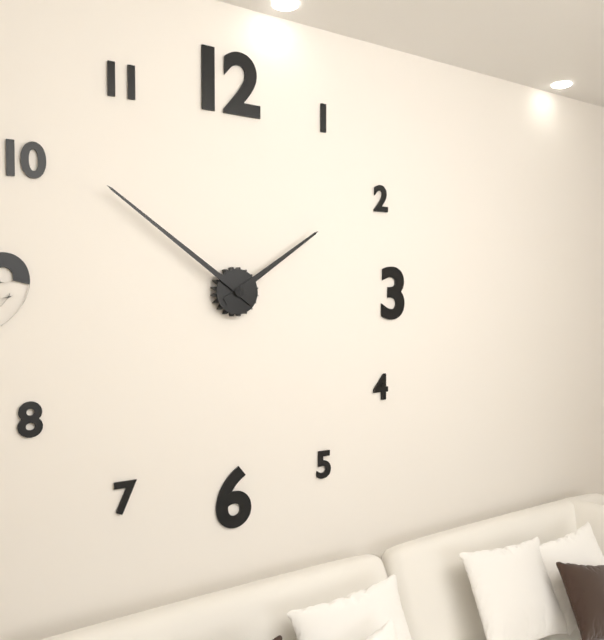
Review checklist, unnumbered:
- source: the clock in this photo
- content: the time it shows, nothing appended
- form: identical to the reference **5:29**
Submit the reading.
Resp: **1:51**
